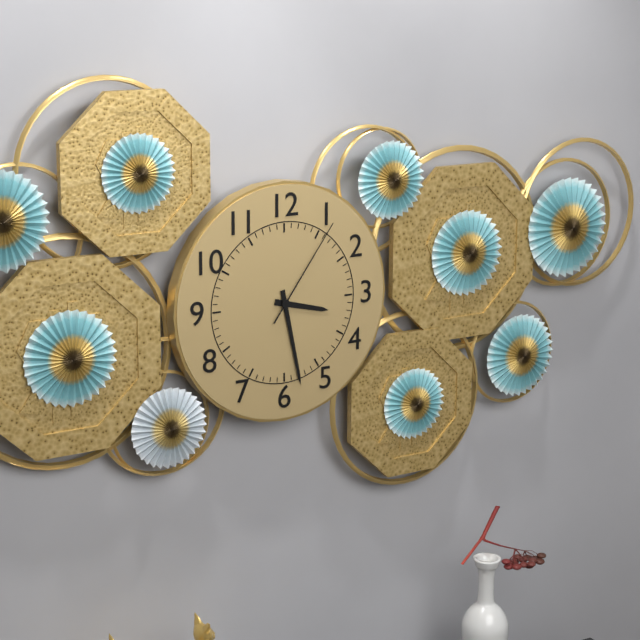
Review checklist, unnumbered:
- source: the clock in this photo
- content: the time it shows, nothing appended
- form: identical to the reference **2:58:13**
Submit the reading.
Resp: **3:28:06**
